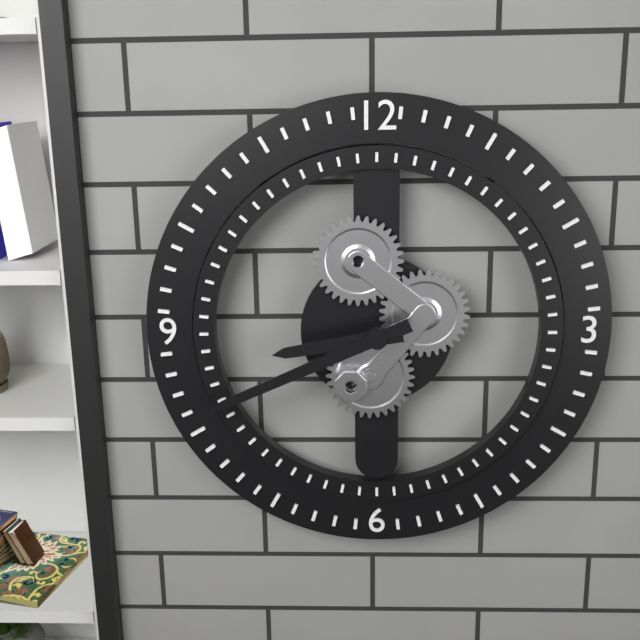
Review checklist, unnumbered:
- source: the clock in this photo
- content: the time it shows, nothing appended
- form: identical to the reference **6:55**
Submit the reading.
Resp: **8:41**
